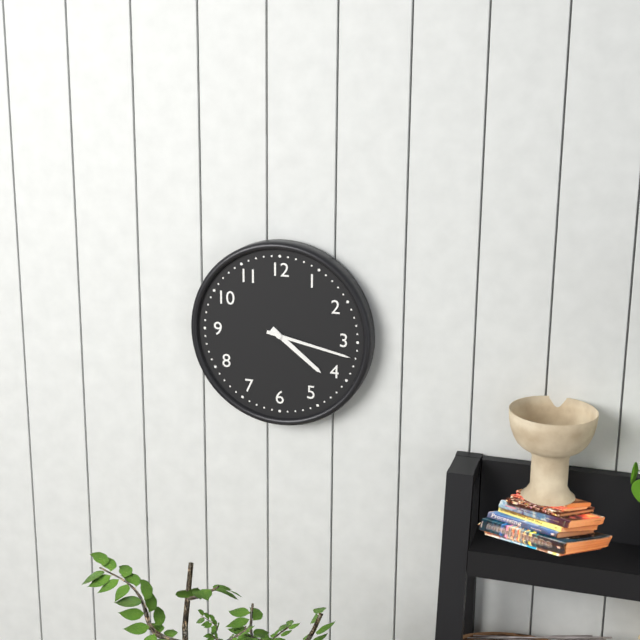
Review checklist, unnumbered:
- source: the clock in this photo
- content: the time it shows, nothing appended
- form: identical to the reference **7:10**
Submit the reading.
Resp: **4:17**
